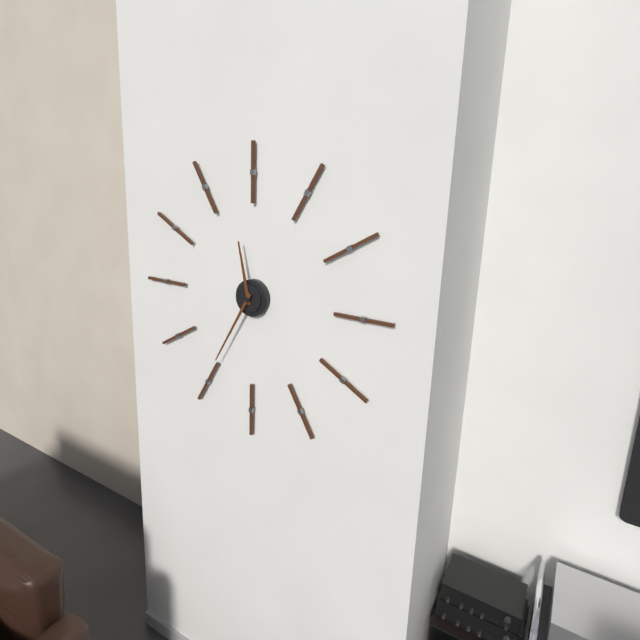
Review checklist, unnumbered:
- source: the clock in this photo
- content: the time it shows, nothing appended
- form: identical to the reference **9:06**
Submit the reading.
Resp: **11:35**
